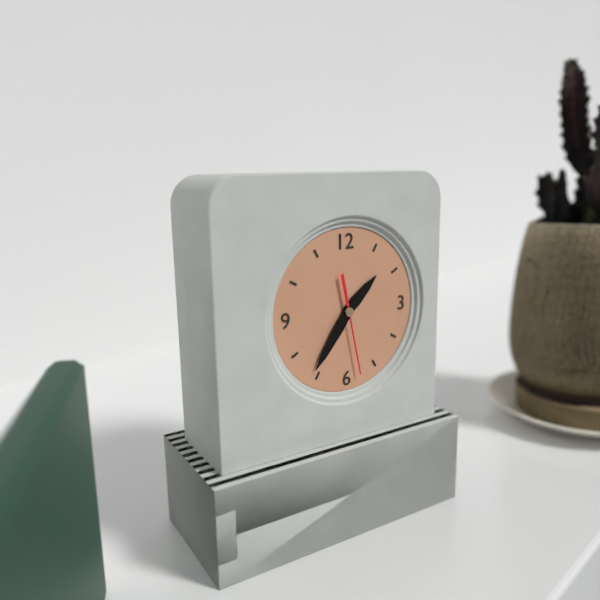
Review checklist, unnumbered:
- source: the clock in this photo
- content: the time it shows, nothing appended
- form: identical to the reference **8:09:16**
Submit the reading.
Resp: **1:36:28**
